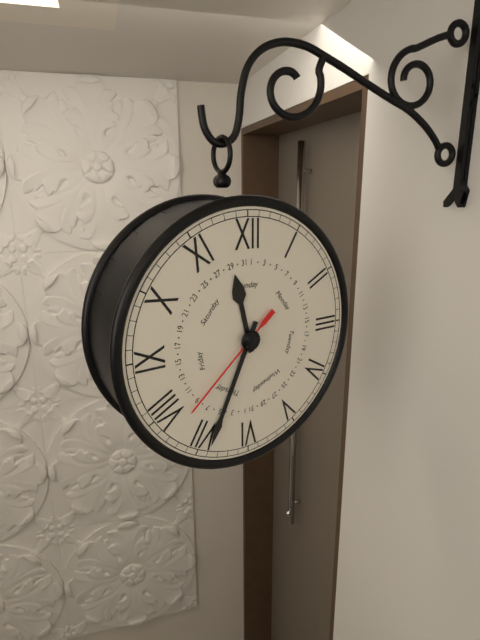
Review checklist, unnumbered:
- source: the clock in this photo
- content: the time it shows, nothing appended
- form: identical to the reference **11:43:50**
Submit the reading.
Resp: **11:34:38**
